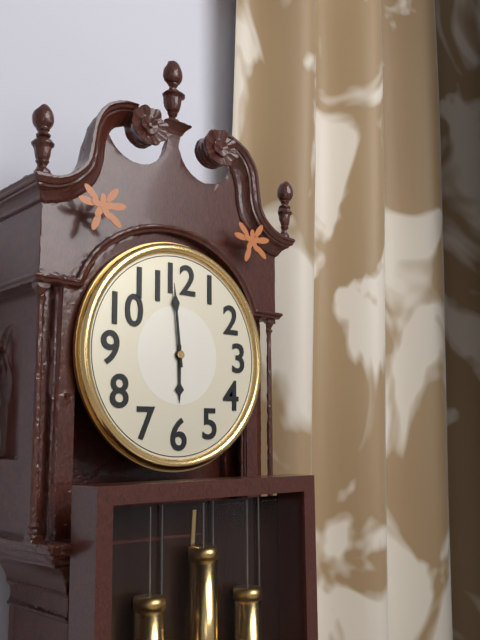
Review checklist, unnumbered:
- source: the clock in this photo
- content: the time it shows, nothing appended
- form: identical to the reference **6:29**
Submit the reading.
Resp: **5:59**
